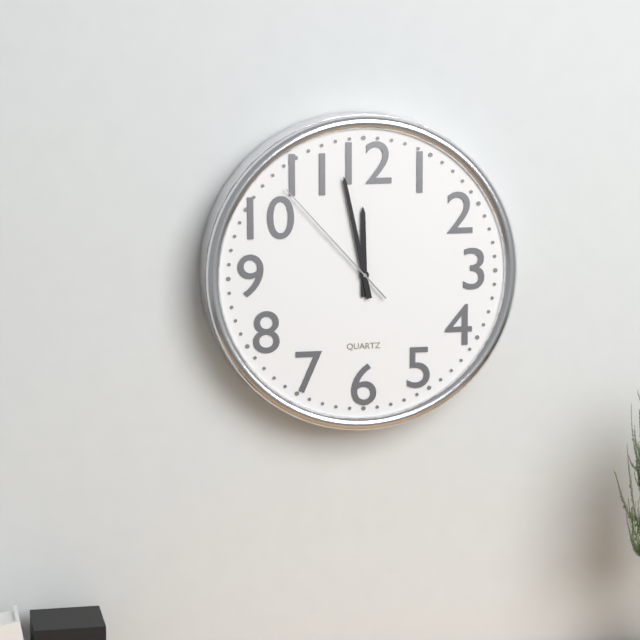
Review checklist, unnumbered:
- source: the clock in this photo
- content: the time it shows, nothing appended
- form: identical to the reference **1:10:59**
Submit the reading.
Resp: **11:58:53**
